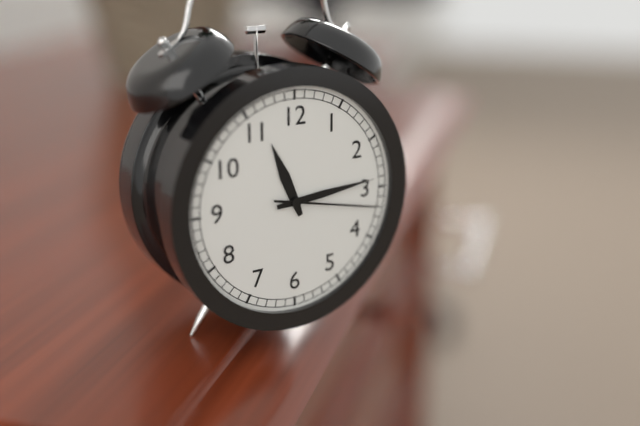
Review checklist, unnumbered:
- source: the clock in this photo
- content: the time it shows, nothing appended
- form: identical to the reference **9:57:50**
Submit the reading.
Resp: **11:14:17**
